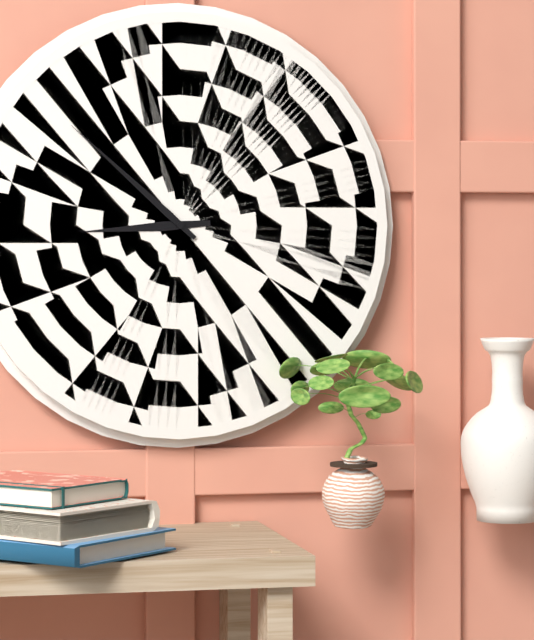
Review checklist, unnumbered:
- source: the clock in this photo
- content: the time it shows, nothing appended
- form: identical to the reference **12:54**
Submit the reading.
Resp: **8:52**
